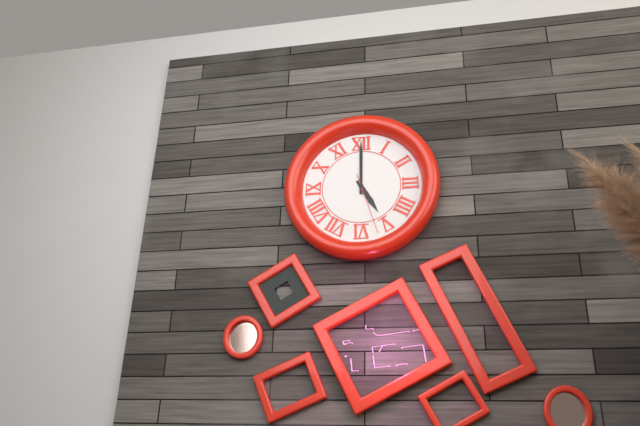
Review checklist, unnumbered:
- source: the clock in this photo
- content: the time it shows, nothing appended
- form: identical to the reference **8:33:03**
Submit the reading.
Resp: **5:00:27**
